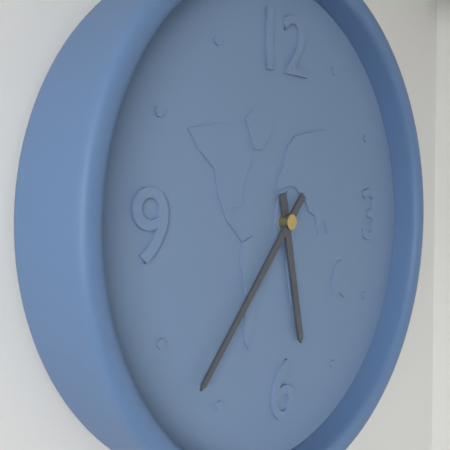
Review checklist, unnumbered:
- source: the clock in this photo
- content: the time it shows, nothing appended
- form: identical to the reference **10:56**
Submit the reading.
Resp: **5:37**
